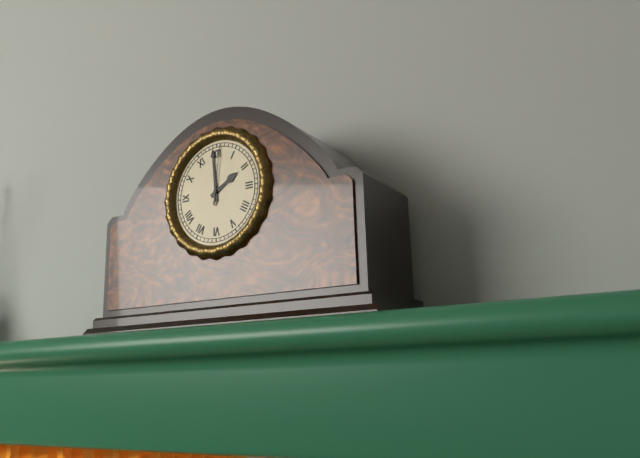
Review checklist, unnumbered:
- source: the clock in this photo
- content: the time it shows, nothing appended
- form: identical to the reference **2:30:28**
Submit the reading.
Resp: **1:59:01**
